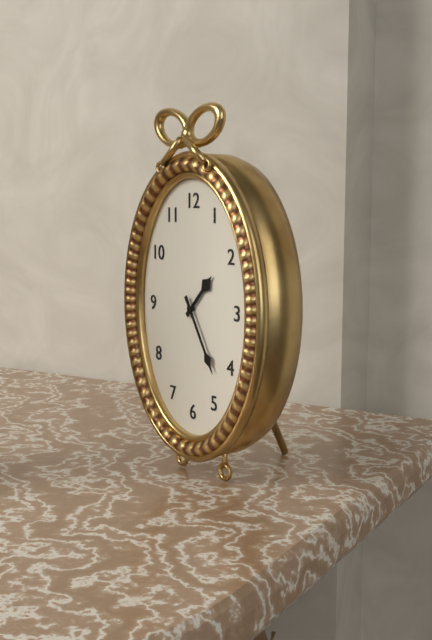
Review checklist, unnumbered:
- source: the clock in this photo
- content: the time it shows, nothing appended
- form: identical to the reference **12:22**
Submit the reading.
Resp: **1:25**
